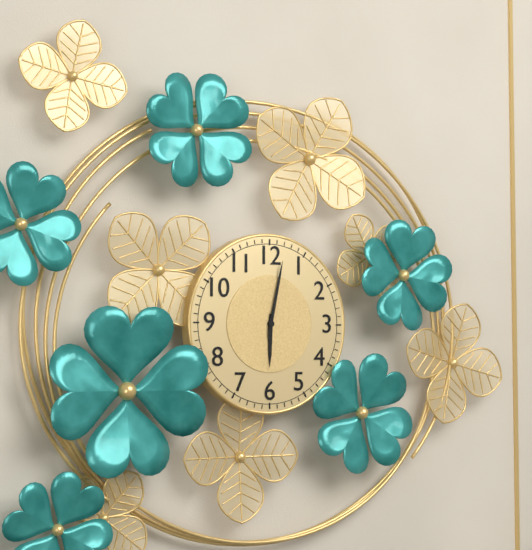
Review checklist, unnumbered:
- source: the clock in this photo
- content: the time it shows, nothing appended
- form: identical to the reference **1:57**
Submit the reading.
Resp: **6:02**
